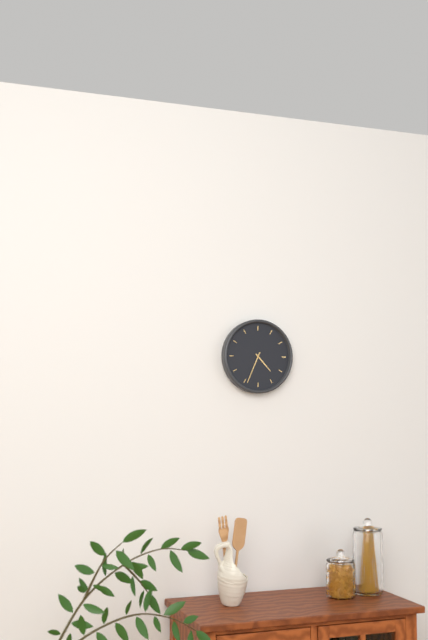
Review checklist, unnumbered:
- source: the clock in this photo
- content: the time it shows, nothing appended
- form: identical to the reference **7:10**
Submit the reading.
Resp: **4:34**
